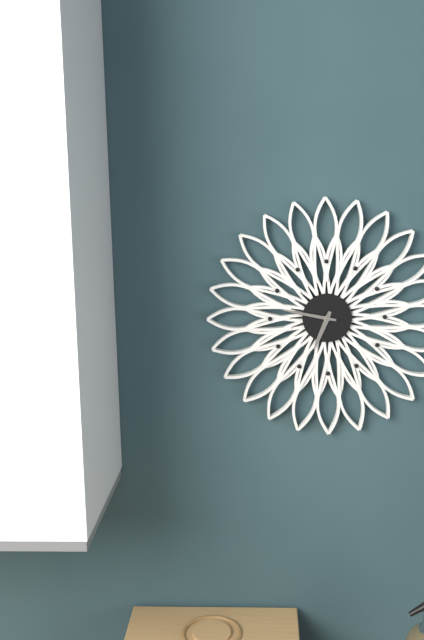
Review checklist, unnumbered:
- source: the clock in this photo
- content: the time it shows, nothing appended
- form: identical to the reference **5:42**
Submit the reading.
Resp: **6:47**
